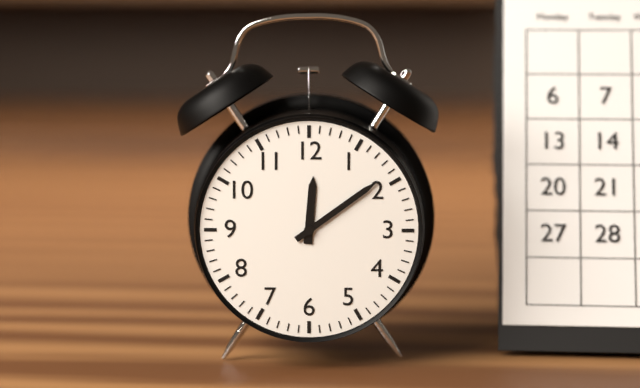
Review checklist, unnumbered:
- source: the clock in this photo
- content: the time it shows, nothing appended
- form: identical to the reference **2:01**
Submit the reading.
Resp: **12:09**
